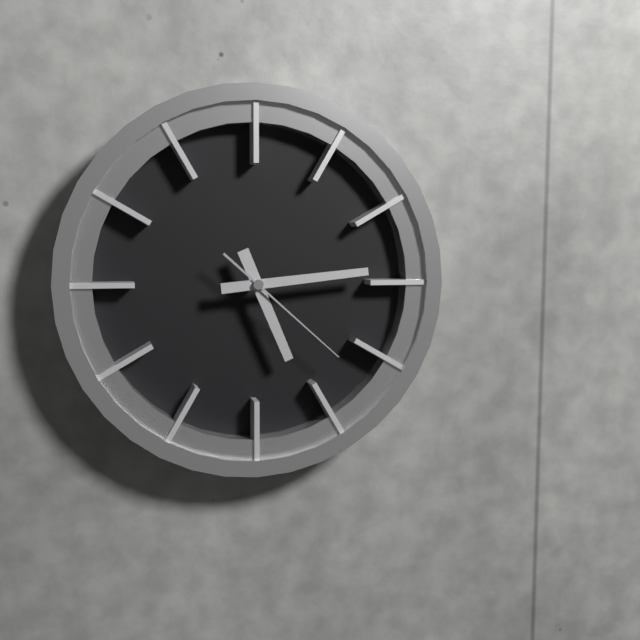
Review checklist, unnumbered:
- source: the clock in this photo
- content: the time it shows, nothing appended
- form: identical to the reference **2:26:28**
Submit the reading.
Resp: **5:14:22**
